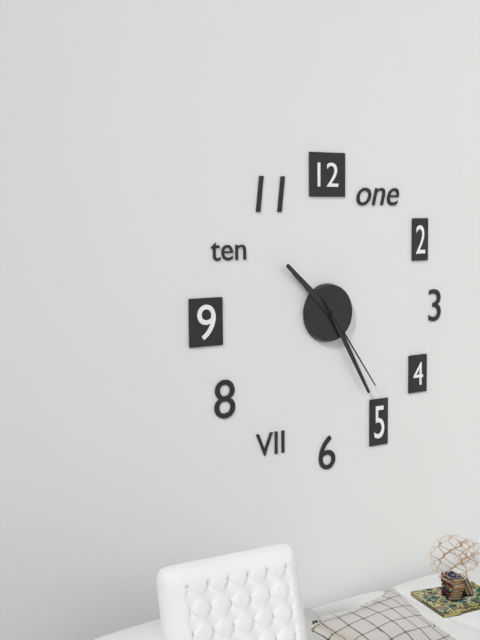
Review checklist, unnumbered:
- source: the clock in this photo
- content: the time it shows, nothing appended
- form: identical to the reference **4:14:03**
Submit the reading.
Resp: **10:25:24**
